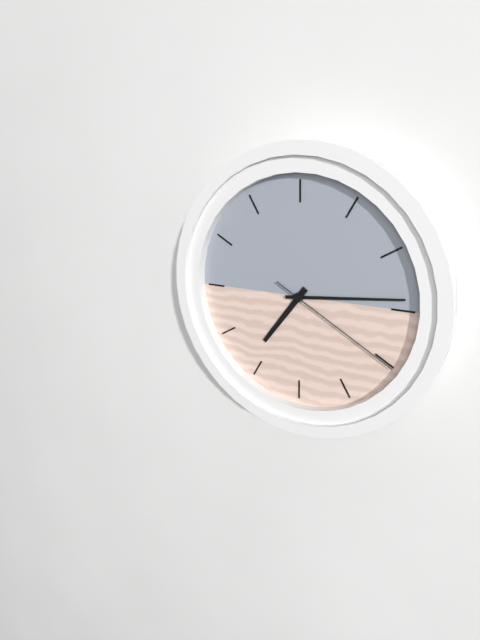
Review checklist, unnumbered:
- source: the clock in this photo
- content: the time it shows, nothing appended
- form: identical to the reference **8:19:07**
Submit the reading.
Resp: **7:14:20**
